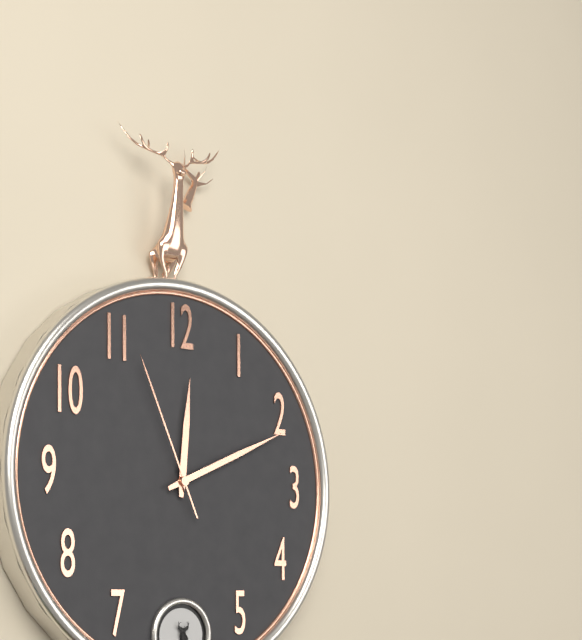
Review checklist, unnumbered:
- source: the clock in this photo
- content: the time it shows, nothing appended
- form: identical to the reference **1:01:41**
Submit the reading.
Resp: **12:11:56**
